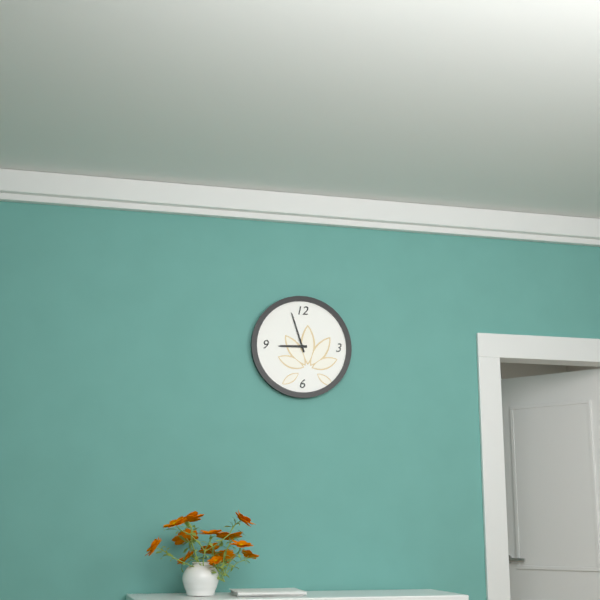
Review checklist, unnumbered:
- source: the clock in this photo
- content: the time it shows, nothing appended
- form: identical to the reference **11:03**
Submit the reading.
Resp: **8:57**
